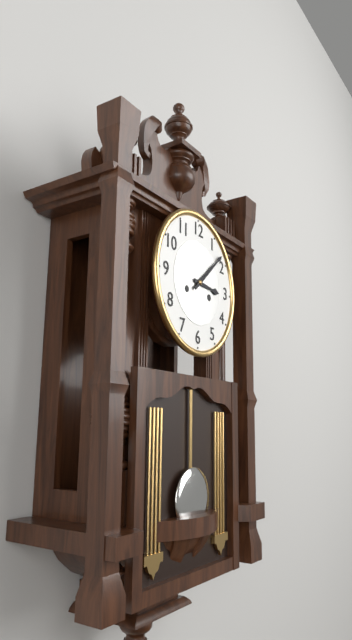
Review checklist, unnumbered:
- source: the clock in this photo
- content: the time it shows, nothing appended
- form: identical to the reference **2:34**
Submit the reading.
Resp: **3:08**
